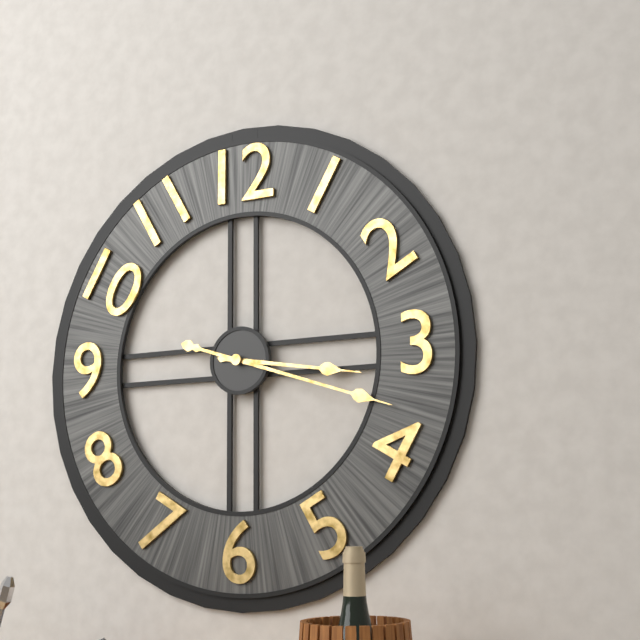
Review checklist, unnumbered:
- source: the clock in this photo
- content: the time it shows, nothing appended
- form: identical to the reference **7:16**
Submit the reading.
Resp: **3:18**
